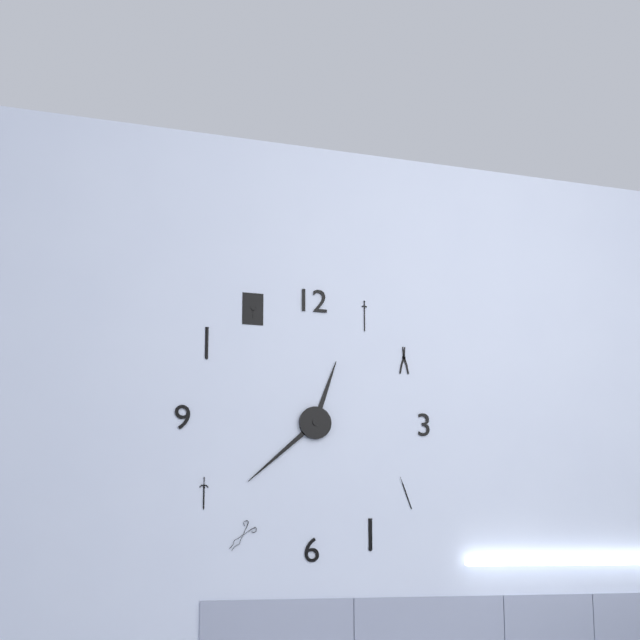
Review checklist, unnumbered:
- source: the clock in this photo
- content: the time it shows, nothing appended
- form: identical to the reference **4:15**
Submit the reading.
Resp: **12:38**
